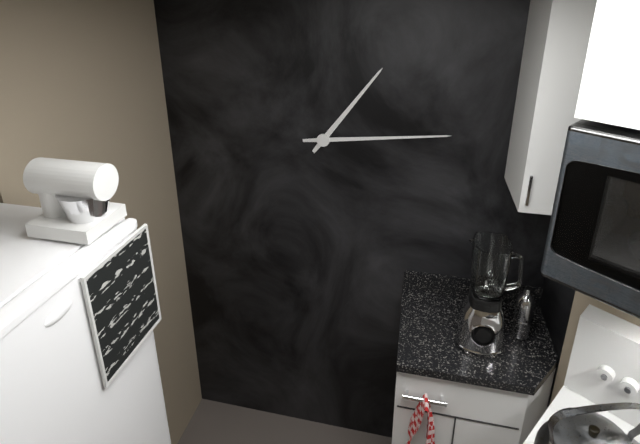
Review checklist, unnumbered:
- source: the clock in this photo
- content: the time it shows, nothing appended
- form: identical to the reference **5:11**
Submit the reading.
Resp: **1:14**
